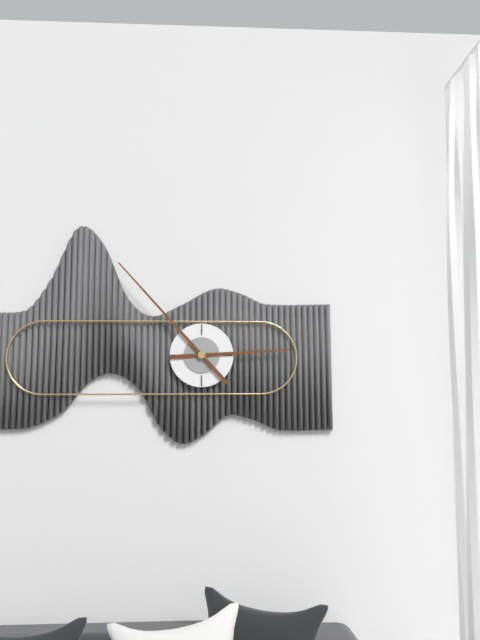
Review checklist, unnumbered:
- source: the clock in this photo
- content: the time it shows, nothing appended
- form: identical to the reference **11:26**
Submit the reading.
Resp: **2:53**
